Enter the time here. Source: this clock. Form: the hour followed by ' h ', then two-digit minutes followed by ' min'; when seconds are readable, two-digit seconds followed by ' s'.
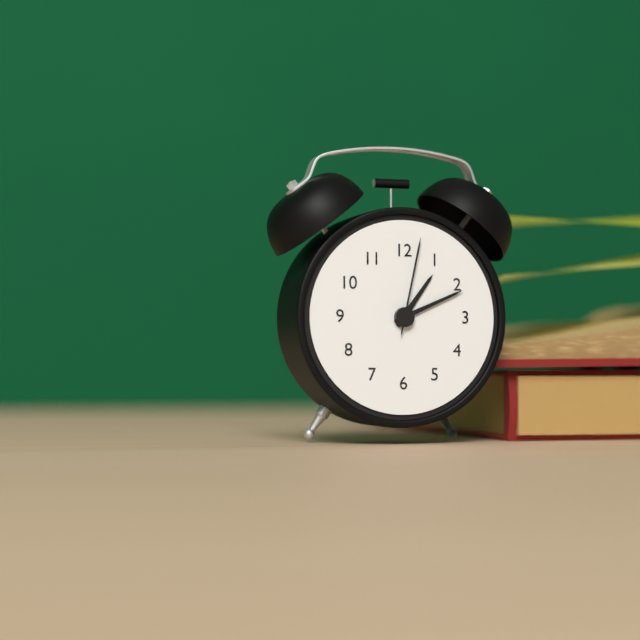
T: 1 h 11 min 02 s
